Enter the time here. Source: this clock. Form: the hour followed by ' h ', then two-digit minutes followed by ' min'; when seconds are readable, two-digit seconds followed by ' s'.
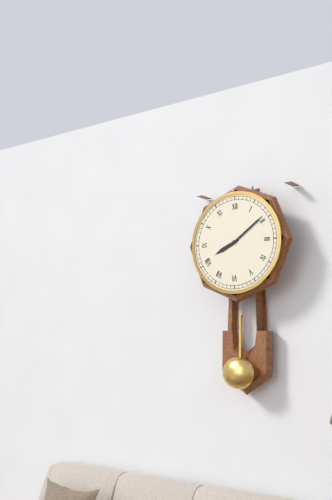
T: 8 h 09 min
